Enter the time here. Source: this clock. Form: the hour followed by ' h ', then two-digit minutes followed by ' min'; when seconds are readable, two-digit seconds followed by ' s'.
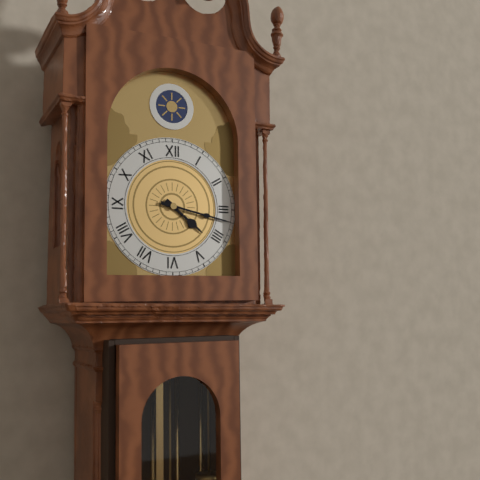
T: 4 h 17 min
